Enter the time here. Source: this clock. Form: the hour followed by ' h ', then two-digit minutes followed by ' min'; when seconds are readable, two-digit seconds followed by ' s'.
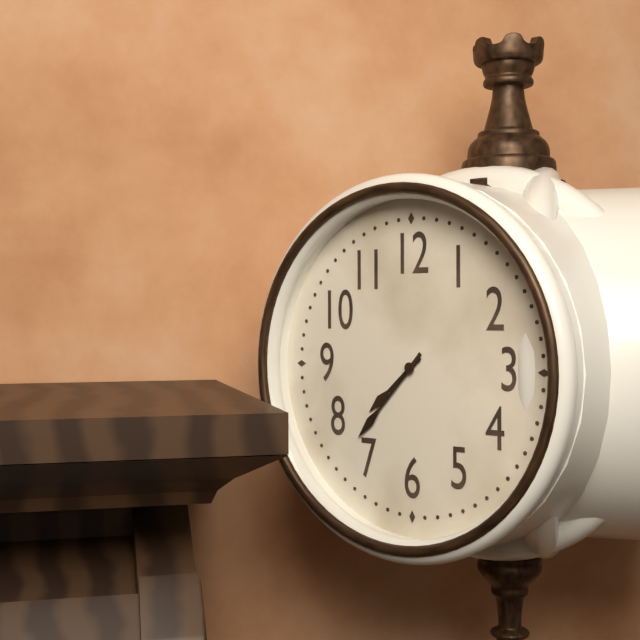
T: 7 h 37 min
